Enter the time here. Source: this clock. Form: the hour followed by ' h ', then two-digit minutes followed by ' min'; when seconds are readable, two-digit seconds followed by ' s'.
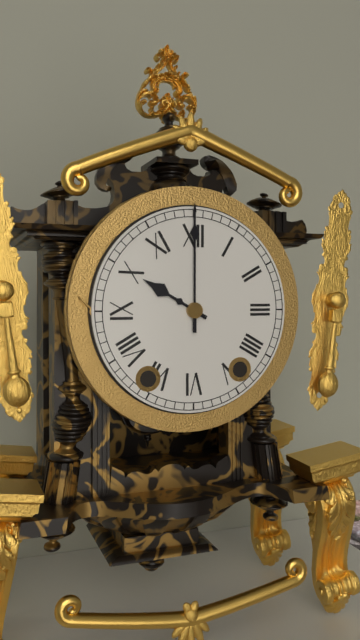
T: 10 h 00 min
